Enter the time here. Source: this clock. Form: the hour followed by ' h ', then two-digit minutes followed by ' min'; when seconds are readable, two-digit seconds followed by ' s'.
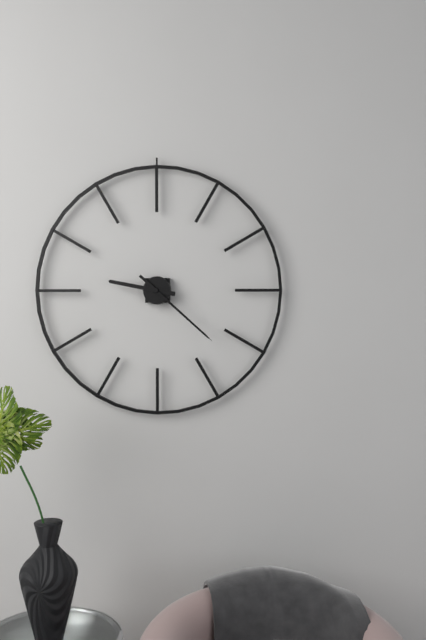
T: 9 h 22 min
